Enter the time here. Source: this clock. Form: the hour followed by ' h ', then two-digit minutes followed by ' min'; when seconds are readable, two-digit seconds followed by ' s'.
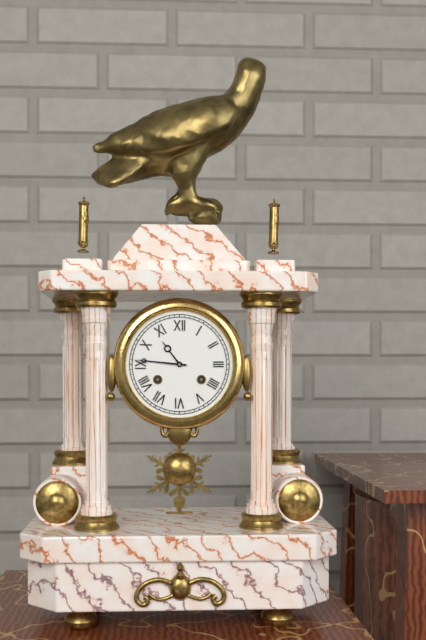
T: 10 h 46 min
